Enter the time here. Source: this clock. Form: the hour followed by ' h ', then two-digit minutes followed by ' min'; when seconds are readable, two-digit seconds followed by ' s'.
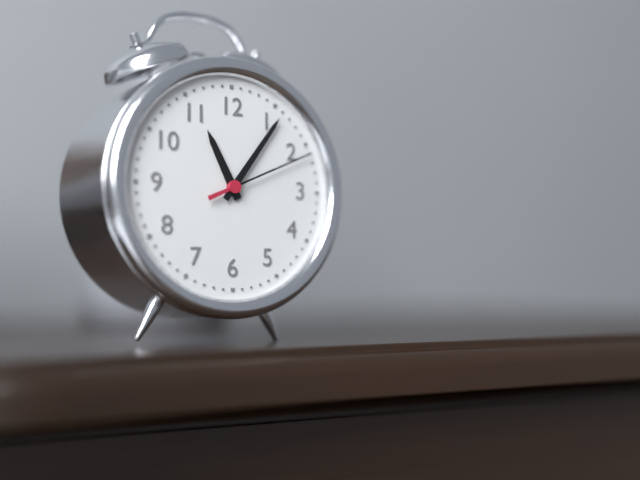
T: 11 h 06 min 11 s
